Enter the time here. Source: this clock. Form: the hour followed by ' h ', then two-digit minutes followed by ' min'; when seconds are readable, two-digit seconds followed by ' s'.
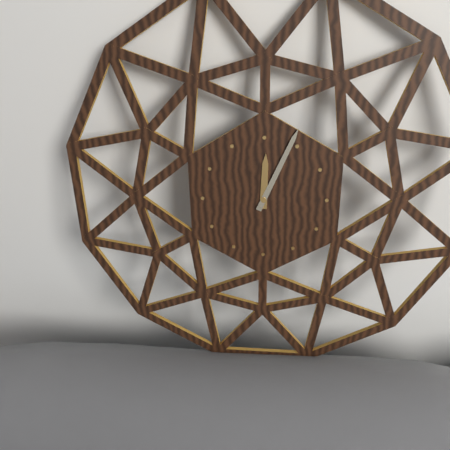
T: 12 h 04 min
